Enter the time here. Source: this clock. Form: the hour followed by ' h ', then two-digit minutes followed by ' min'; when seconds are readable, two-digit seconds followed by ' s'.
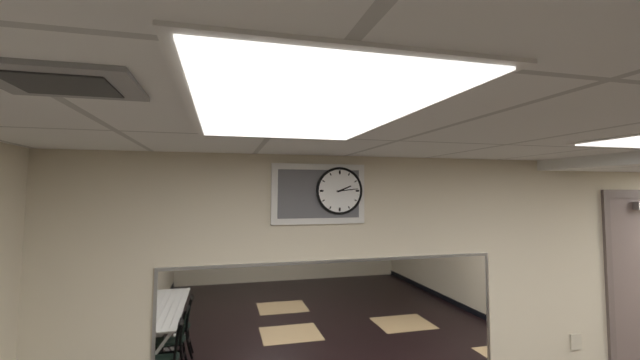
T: 2 h 14 min
